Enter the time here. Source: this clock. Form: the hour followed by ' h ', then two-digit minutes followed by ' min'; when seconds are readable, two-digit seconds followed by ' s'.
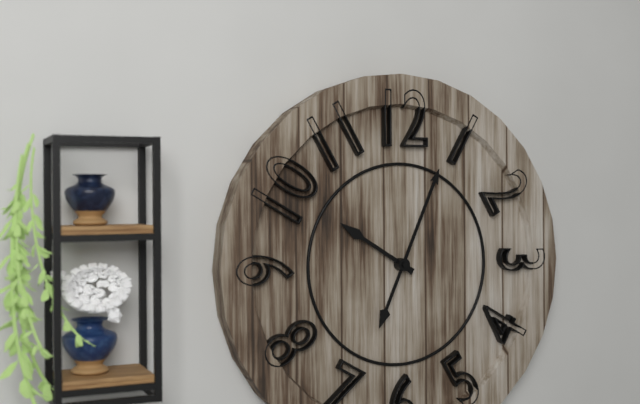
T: 10 h 04 min
